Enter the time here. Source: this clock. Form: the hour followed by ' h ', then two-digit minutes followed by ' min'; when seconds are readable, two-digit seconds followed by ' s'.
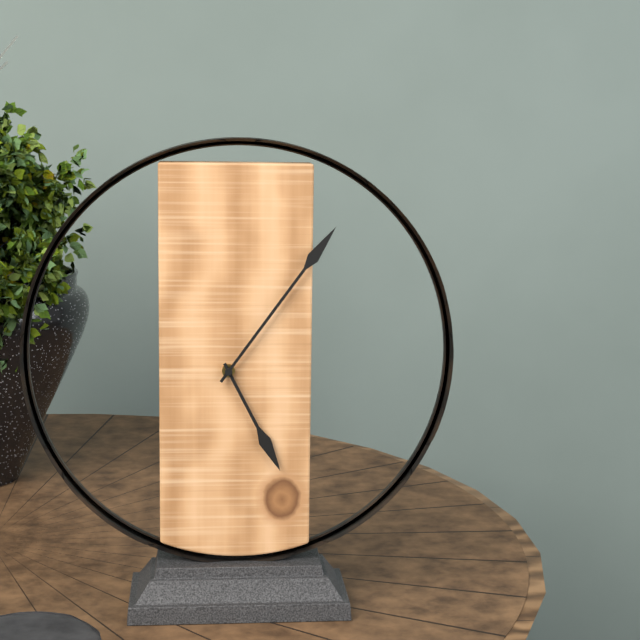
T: 5 h 06 min
